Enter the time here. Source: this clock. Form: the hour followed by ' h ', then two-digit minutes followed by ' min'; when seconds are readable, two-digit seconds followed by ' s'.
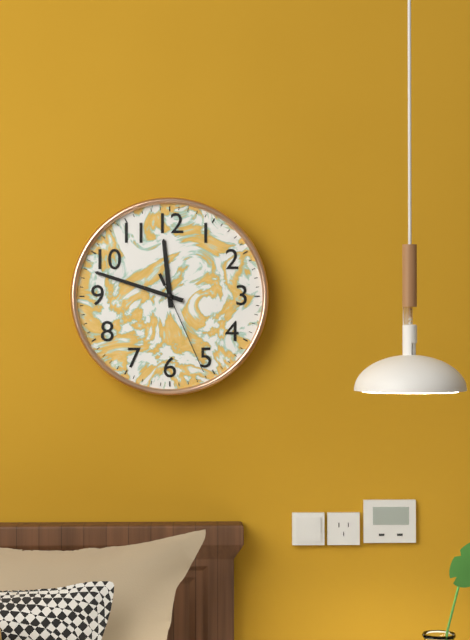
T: 11 h 48 min 26 s
